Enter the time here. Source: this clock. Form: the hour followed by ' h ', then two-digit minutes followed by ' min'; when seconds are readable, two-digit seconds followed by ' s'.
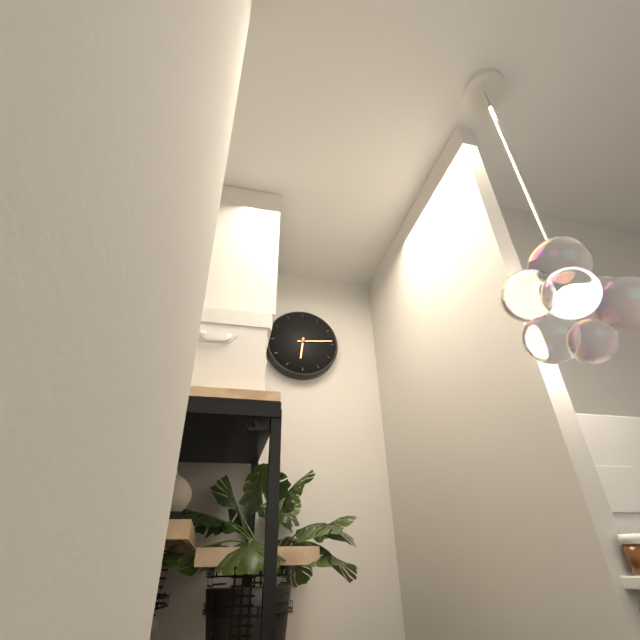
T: 6 h 14 min
